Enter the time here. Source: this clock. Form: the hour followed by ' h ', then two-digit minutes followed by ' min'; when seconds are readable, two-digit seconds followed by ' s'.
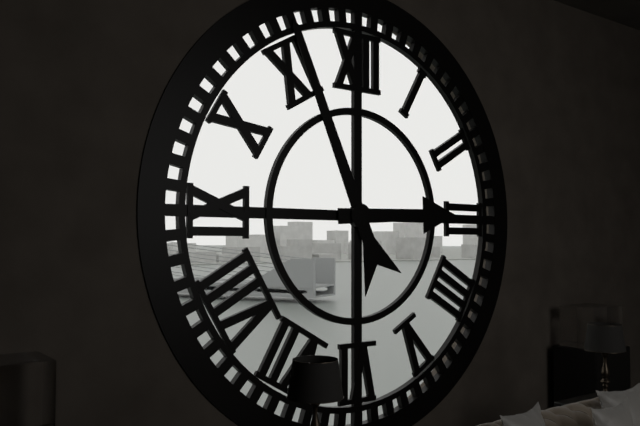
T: 2 h 56 min
